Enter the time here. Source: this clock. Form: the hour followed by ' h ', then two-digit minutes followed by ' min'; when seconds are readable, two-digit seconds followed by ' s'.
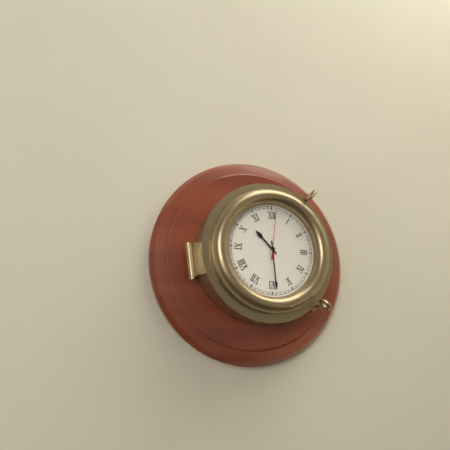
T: 10 h 29 min 01 s
